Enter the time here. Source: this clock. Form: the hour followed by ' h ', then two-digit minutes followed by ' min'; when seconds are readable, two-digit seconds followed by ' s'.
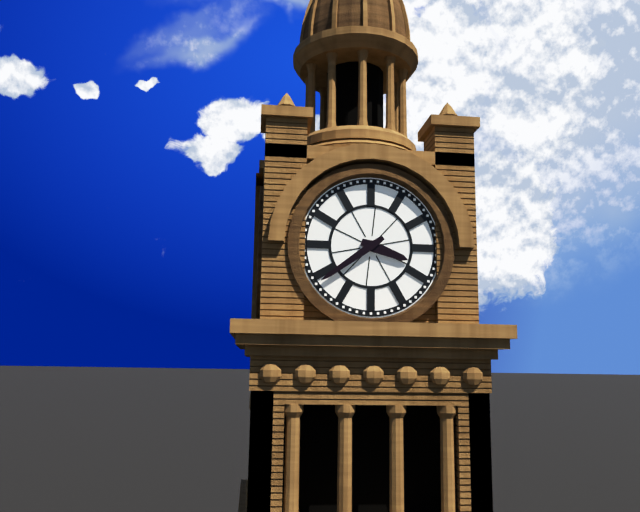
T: 3 h 39 min
